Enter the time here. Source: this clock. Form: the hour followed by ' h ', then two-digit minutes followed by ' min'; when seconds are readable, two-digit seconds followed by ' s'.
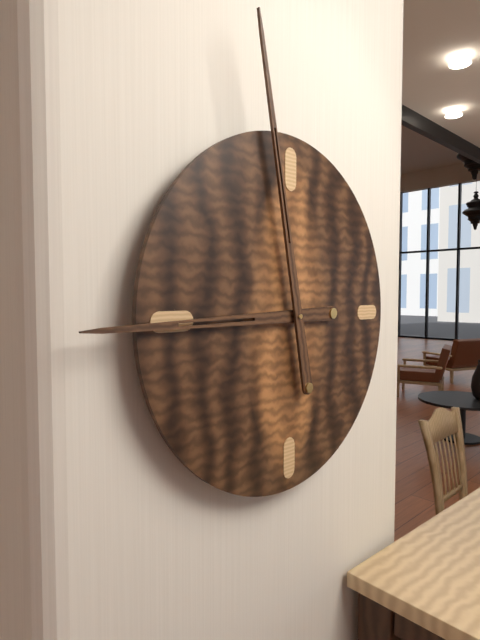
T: 8 h 58 min
